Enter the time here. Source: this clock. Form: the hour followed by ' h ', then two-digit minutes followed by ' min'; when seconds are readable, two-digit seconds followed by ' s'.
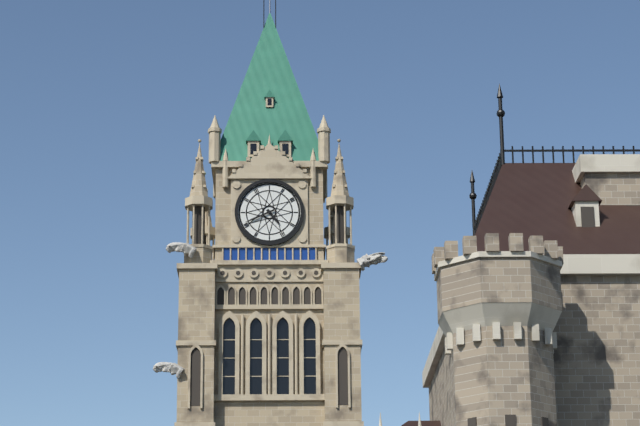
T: 4 h 41 min
